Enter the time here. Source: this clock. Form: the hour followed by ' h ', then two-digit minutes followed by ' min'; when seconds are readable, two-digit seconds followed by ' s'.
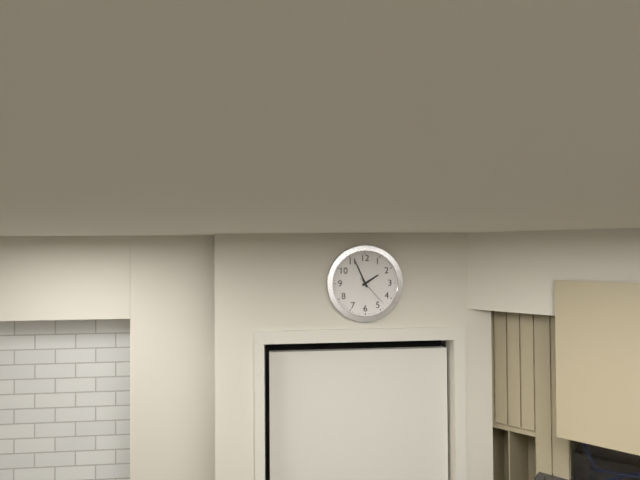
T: 1 h 56 min
